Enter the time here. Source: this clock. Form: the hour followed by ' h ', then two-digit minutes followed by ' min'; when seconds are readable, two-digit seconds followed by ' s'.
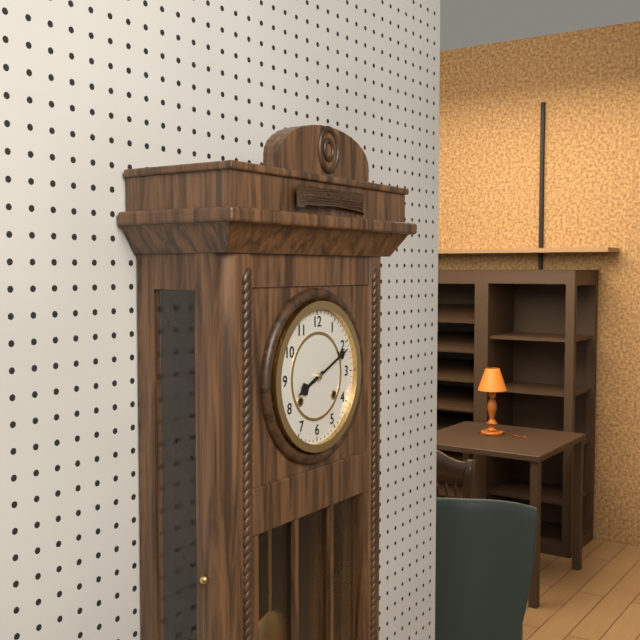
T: 8 h 11 min
